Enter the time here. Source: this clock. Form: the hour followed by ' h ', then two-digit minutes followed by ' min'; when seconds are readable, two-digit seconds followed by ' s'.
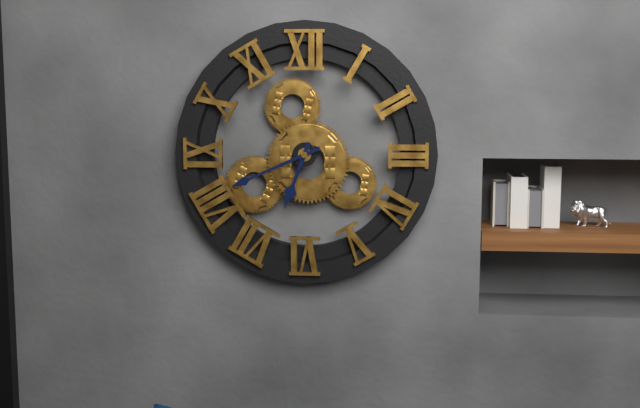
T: 6 h 41 min
